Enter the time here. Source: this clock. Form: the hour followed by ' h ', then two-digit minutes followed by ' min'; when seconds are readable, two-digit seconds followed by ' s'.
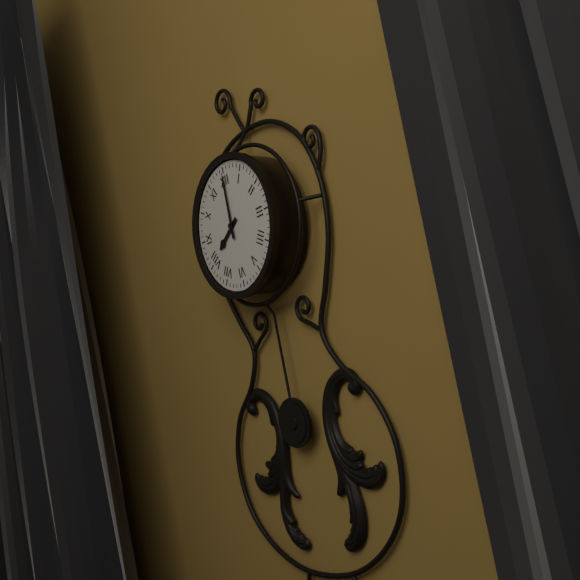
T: 8 h 00 min
